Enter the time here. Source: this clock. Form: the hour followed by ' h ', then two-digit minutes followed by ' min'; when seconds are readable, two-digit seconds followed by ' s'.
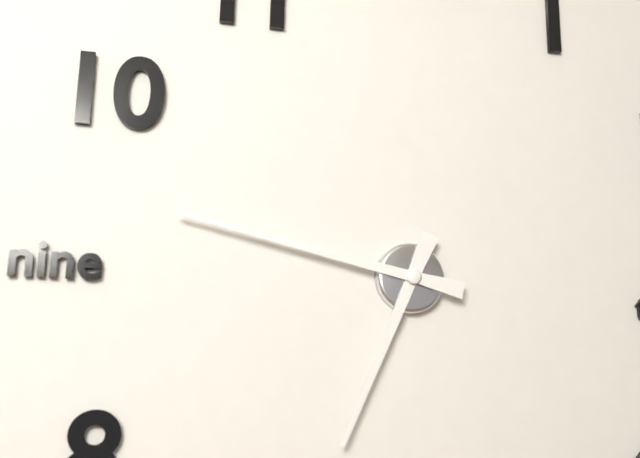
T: 6 h 47 min
